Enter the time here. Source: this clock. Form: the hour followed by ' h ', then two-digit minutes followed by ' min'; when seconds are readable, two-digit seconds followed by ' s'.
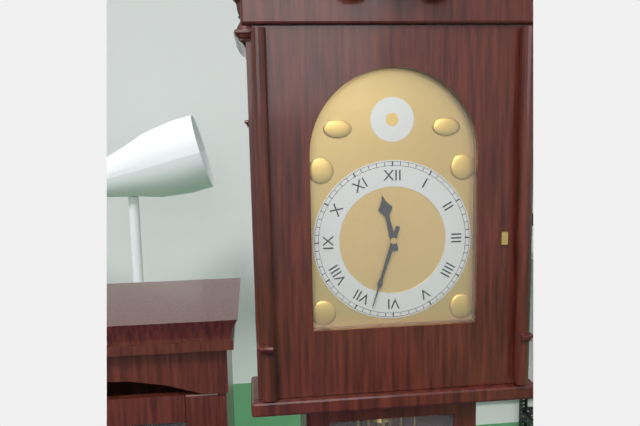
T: 11 h 33 min
